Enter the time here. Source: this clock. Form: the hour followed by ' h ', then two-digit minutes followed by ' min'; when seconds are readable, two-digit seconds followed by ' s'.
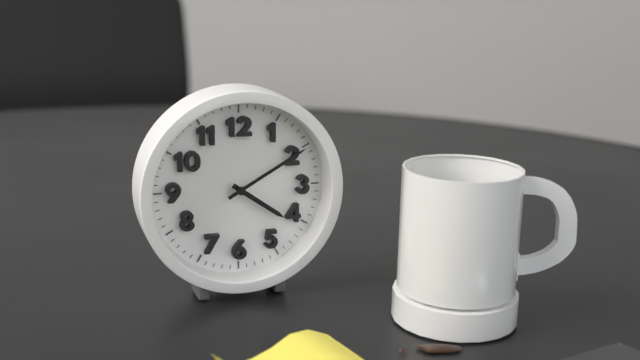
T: 4 h 10 min
